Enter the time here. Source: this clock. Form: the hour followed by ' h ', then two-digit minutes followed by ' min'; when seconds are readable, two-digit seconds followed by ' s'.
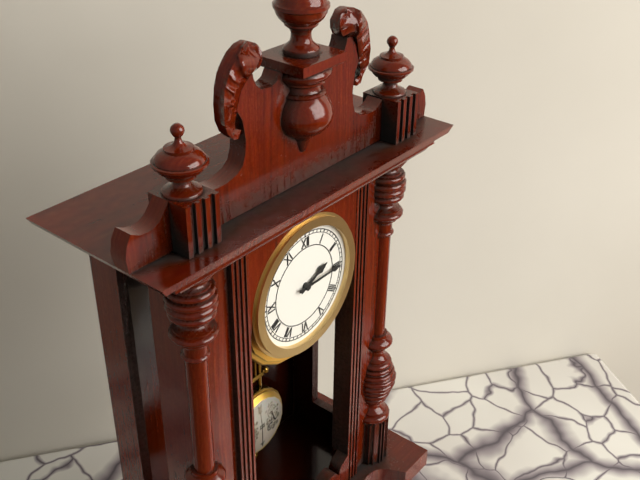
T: 2 h 15 min
